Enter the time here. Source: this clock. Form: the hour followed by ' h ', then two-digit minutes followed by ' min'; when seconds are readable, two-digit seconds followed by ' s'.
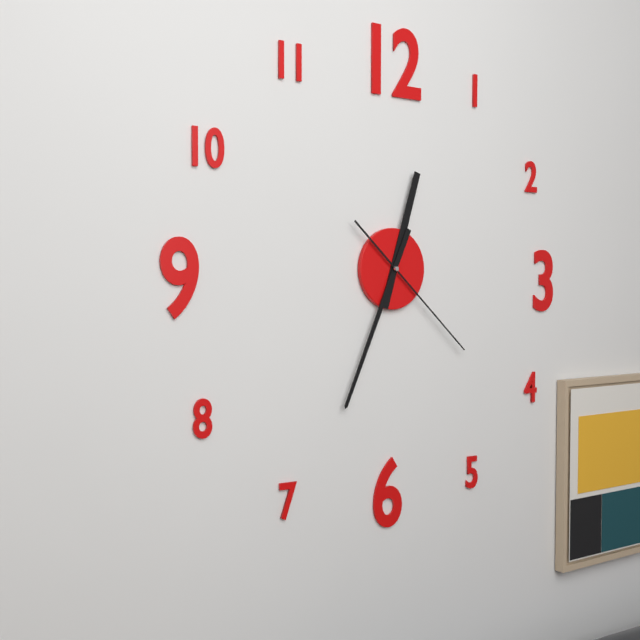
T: 12 h 34 min 22 s
